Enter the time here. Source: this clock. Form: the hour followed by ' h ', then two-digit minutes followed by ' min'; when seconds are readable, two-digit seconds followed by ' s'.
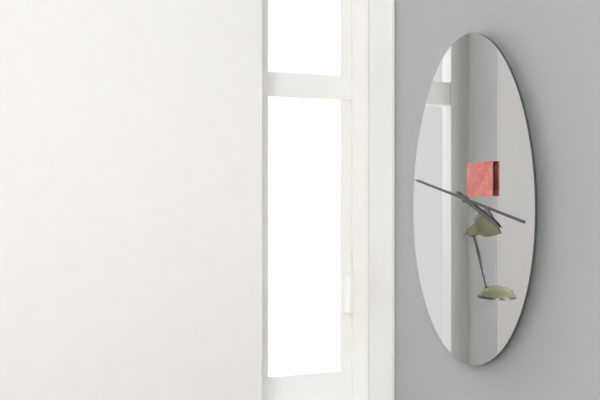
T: 3 h 47 min
